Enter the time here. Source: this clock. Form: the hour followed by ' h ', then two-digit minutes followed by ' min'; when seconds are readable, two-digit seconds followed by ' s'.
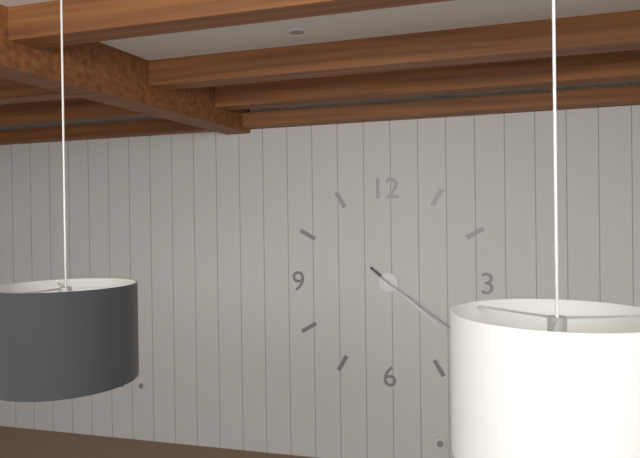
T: 4 h 21 min
